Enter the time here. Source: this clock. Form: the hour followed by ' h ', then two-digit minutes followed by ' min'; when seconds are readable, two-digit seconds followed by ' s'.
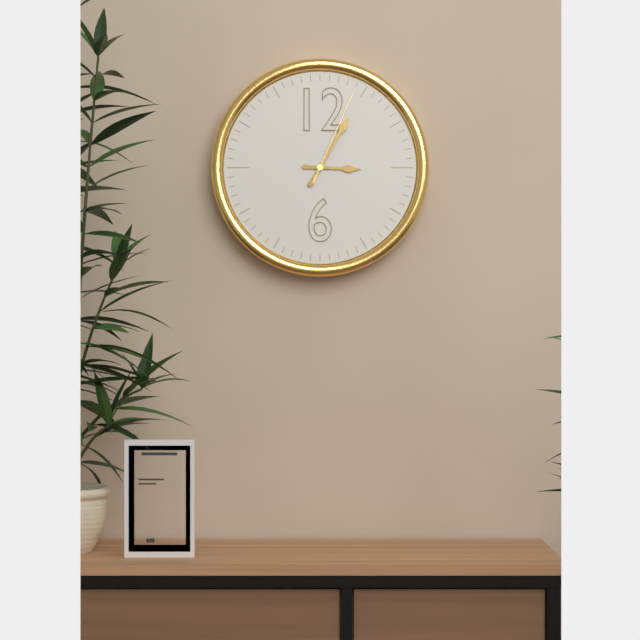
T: 3 h 05 min 04 s
